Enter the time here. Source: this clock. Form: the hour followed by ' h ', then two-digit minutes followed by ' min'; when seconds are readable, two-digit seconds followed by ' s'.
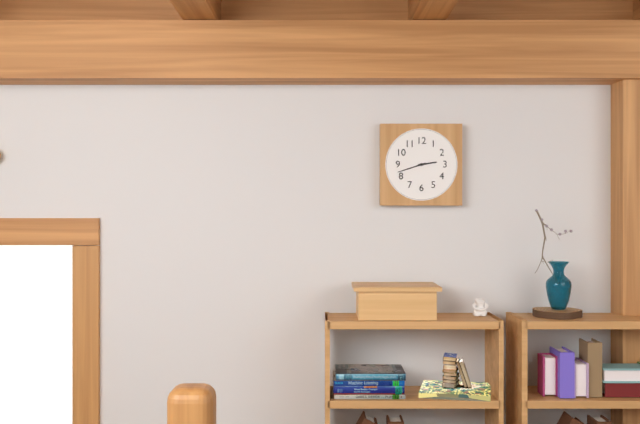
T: 2 h 42 min
